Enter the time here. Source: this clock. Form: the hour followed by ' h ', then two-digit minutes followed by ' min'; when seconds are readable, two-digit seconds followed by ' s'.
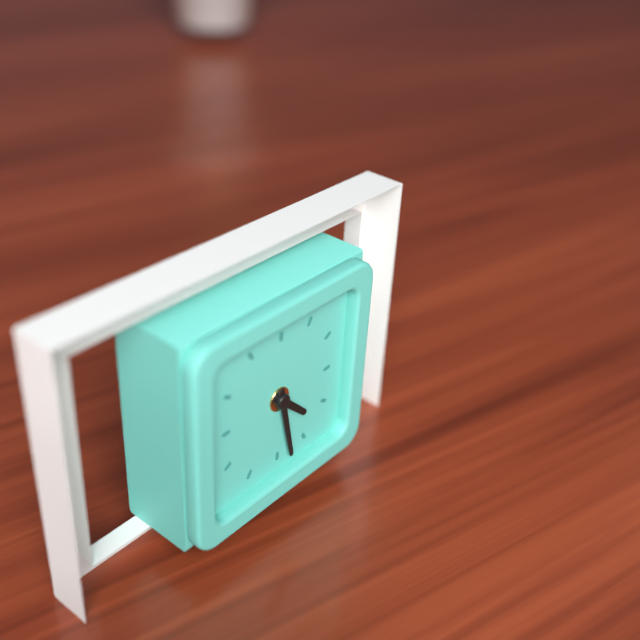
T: 4 h 28 min
